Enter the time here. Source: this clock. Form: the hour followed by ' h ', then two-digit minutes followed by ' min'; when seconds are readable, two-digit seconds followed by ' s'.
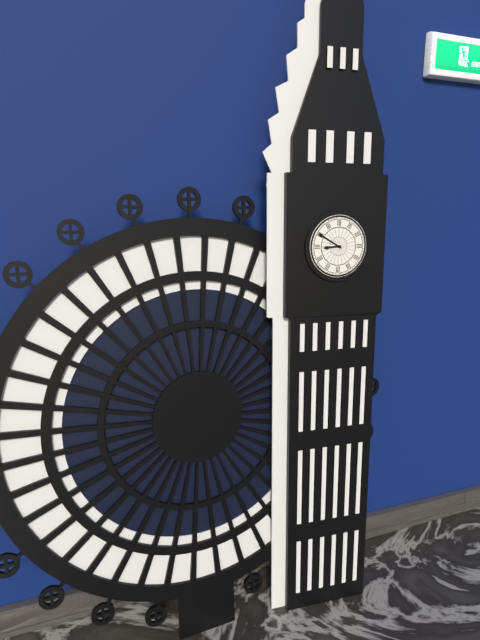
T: 8 h 50 min
